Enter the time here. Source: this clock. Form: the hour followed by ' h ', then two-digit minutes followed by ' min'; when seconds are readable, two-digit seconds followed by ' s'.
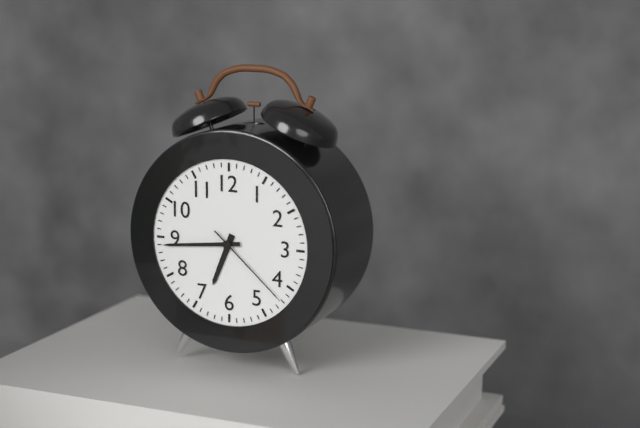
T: 6 h 44 min 22 s
